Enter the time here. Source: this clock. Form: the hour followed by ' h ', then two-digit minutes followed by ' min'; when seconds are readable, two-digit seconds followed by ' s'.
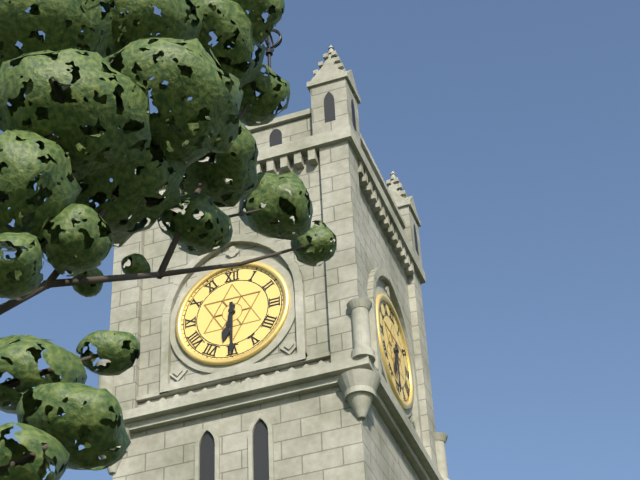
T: 6 h 30 min
